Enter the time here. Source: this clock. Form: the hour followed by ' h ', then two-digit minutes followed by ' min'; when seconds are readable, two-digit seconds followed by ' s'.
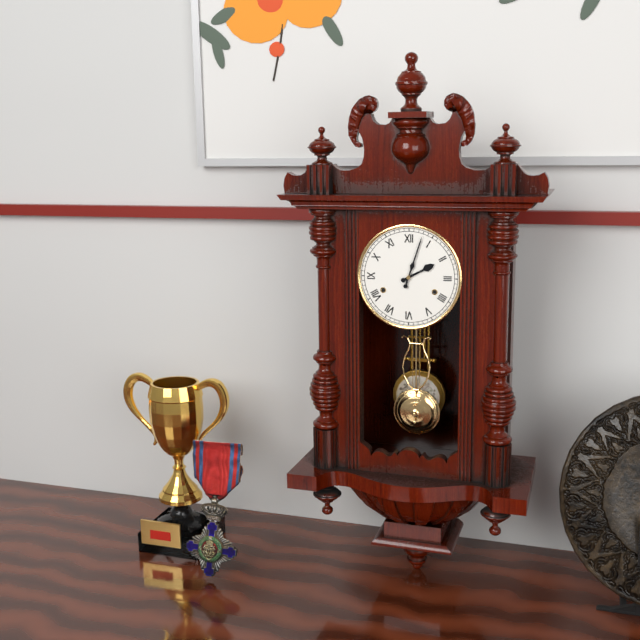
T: 2 h 03 min
